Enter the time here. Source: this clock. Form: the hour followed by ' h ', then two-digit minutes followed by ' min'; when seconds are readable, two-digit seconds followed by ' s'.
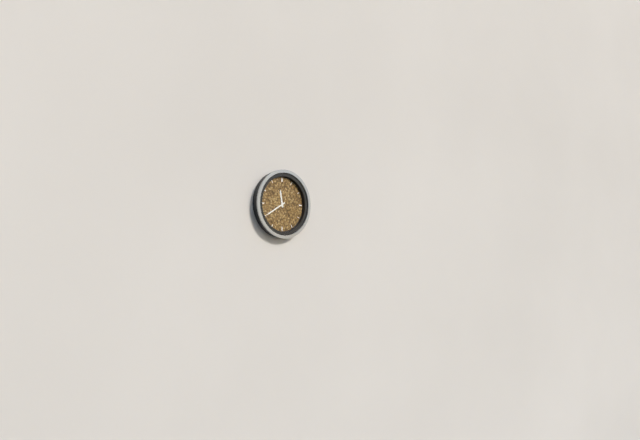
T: 11 h 40 min
